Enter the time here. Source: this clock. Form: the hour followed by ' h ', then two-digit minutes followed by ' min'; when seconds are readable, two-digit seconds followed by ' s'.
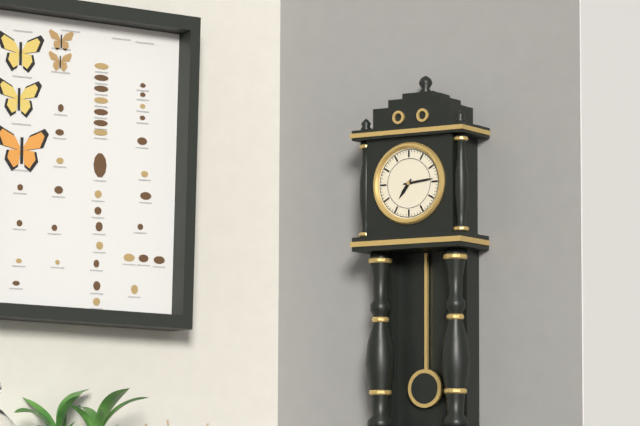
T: 7 h 14 min
